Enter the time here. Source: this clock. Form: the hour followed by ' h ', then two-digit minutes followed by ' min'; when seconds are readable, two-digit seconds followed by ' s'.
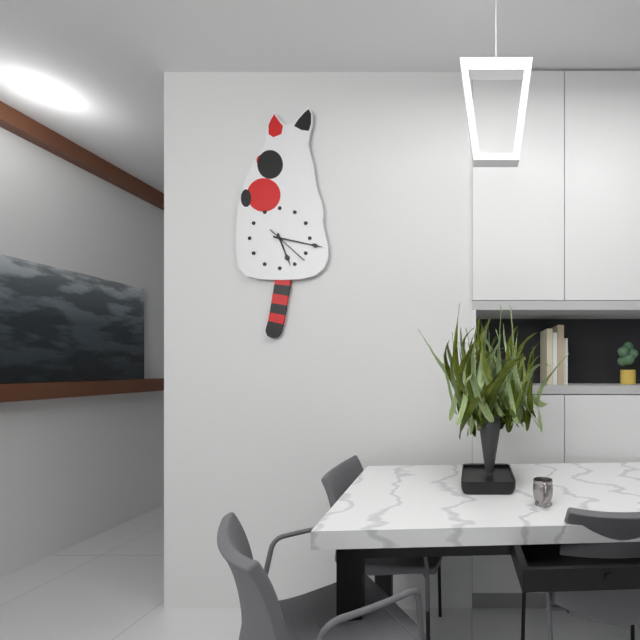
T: 5 h 17 min
